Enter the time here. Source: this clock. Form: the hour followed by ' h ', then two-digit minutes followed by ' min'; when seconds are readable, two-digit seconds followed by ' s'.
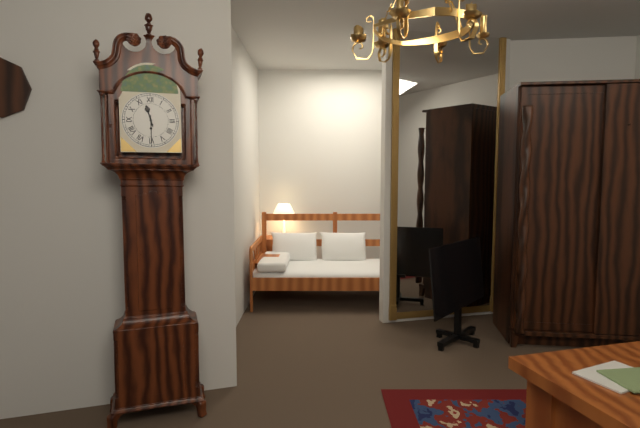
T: 11 h 30 min
